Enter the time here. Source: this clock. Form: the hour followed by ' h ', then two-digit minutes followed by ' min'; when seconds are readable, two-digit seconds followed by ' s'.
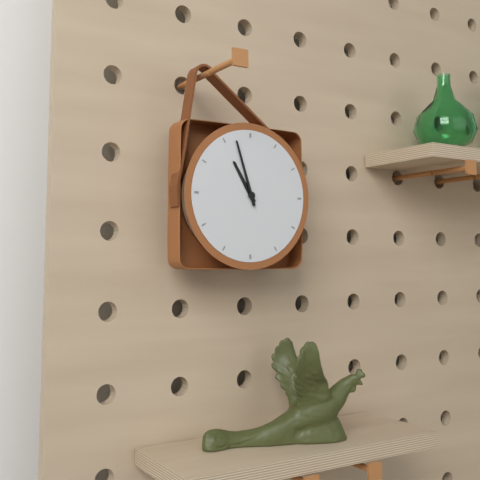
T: 10 h 57 min
